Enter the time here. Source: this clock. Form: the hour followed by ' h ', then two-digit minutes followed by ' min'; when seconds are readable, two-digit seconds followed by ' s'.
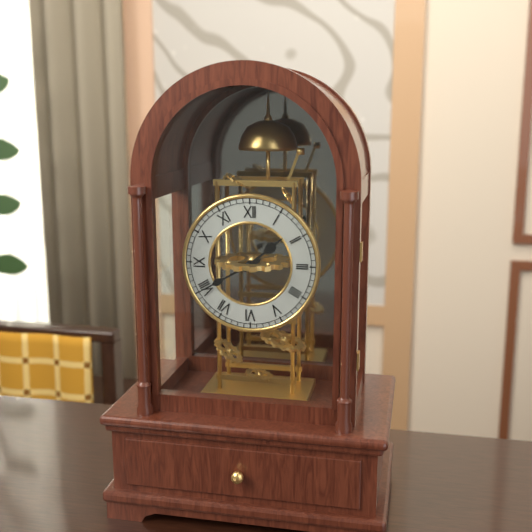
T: 1 h 40 min
